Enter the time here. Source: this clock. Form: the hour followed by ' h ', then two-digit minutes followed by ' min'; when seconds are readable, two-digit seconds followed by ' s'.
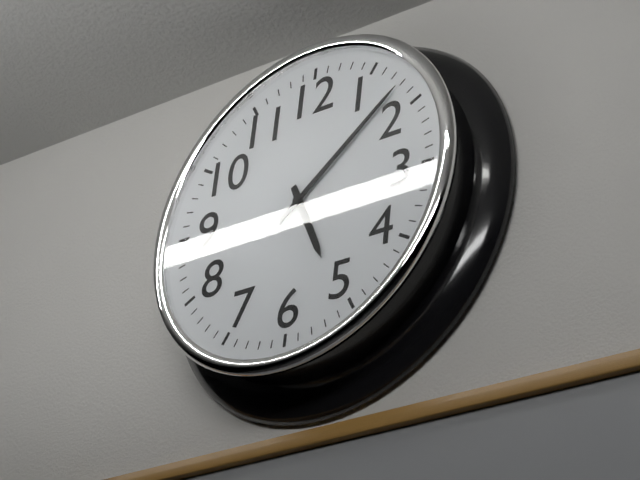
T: 5 h 08 min
